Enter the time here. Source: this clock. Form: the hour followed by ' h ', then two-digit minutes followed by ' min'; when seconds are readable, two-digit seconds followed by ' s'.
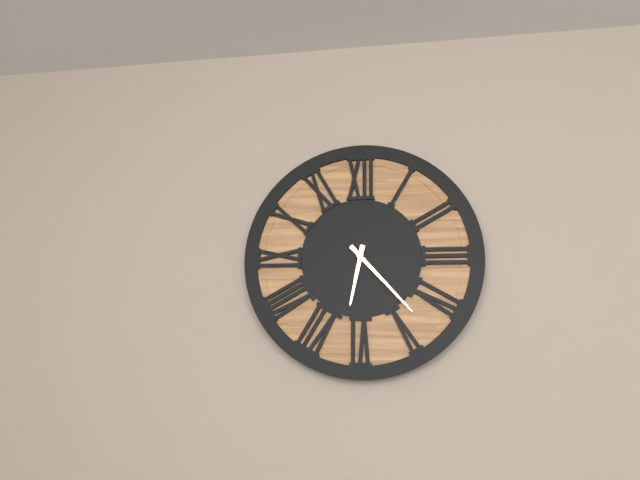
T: 6 h 23 min
